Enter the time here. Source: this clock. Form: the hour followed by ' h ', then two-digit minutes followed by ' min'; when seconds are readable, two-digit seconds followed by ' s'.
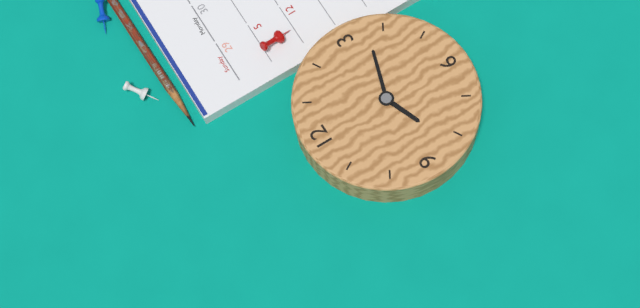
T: 8 h 18 min
